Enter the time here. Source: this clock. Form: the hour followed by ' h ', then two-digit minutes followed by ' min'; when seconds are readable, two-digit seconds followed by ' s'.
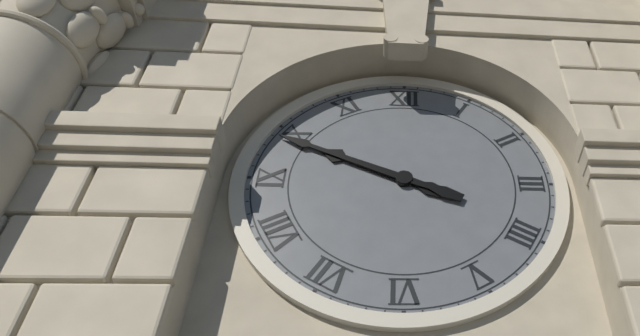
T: 9 h 49 min
